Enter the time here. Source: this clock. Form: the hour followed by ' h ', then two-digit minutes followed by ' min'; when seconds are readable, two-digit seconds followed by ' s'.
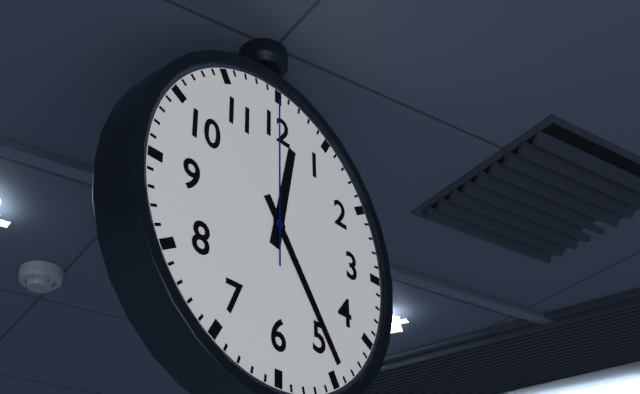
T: 12 h 24 min 00 s
